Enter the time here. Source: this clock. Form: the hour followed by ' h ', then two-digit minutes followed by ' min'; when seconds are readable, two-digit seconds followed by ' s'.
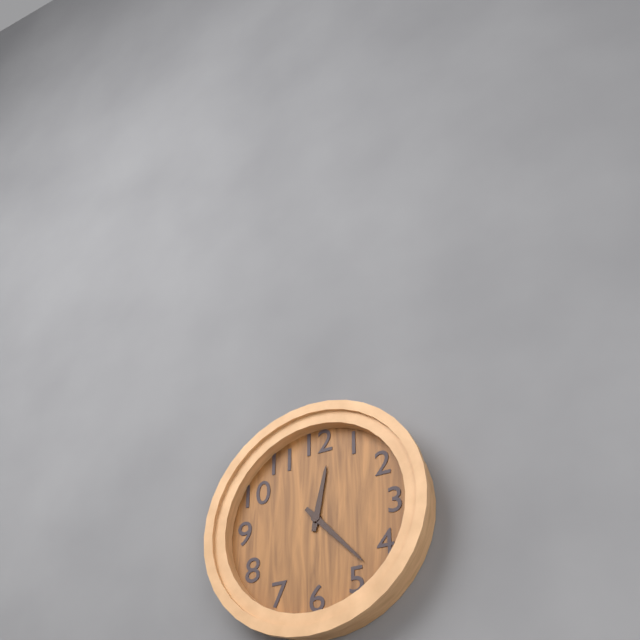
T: 12 h 23 min
